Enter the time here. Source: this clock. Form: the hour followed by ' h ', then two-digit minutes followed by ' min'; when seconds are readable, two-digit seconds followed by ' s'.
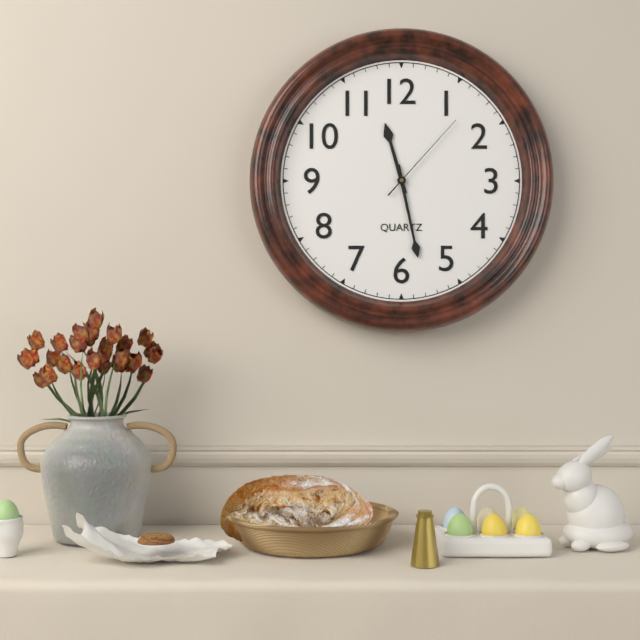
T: 11 h 28 min 07 s
